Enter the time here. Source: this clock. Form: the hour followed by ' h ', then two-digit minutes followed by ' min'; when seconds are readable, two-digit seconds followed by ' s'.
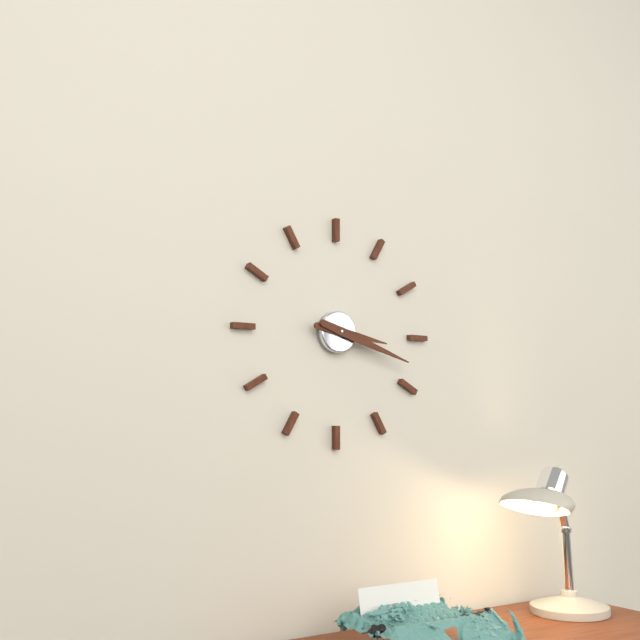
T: 3 h 18 min
